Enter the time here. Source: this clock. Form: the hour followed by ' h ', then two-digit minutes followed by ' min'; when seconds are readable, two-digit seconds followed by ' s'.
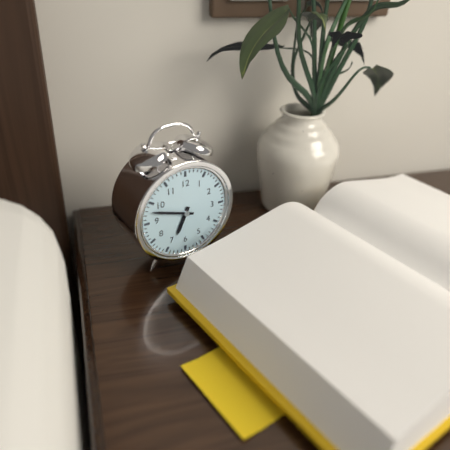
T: 6 h 48 min
